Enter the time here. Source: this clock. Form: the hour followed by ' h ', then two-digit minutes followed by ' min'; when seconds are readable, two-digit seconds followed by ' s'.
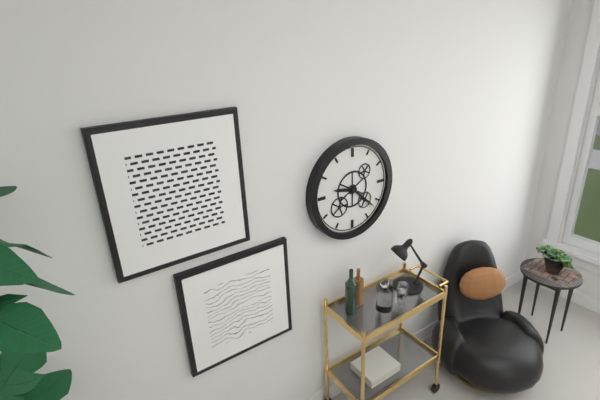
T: 9 h 22 min
